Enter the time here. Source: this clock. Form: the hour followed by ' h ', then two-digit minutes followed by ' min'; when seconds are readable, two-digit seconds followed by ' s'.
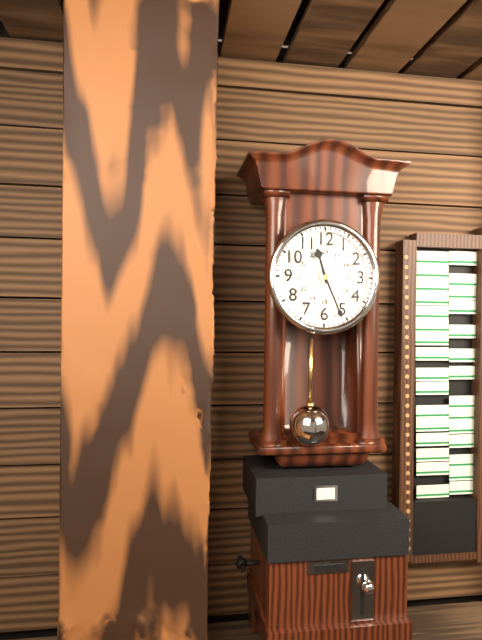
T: 11 h 26 min
